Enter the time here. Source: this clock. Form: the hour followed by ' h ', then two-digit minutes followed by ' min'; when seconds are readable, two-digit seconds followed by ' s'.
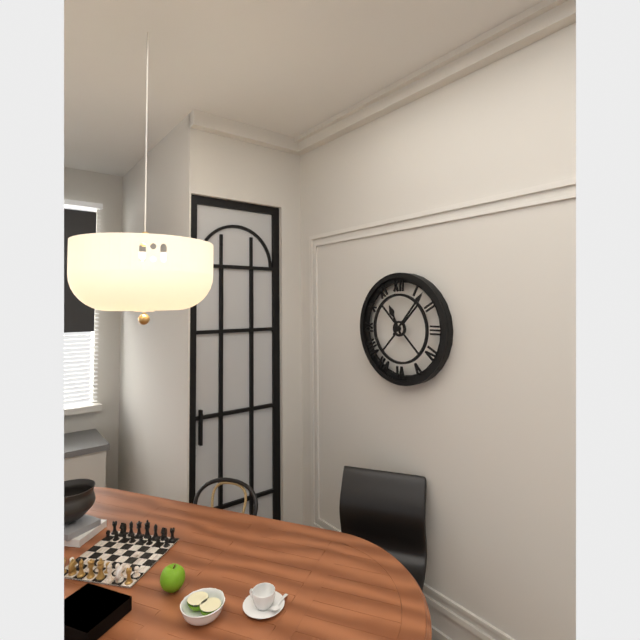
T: 11 h 07 min
